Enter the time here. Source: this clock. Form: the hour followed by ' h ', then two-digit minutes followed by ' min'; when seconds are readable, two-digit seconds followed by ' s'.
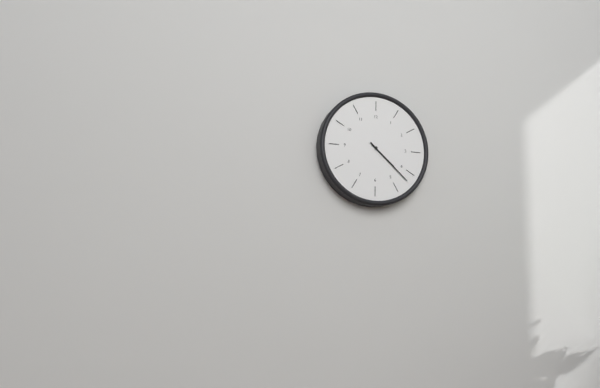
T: 4 h 22 min
